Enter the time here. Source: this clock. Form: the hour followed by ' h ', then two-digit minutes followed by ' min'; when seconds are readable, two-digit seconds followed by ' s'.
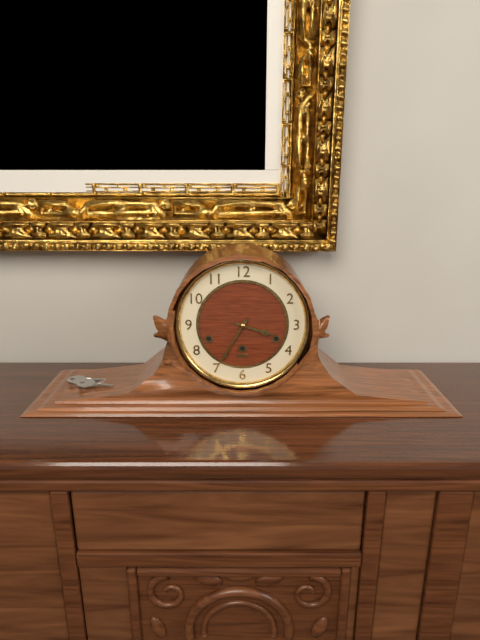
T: 3 h 35 min
